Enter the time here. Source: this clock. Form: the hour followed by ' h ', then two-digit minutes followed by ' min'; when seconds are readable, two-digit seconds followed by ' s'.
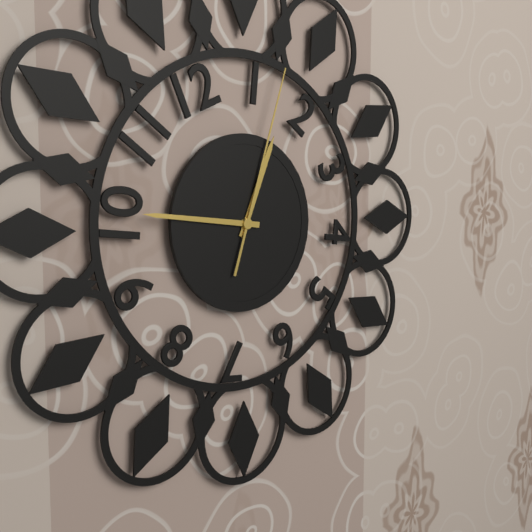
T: 12 h 46 min 03 s
